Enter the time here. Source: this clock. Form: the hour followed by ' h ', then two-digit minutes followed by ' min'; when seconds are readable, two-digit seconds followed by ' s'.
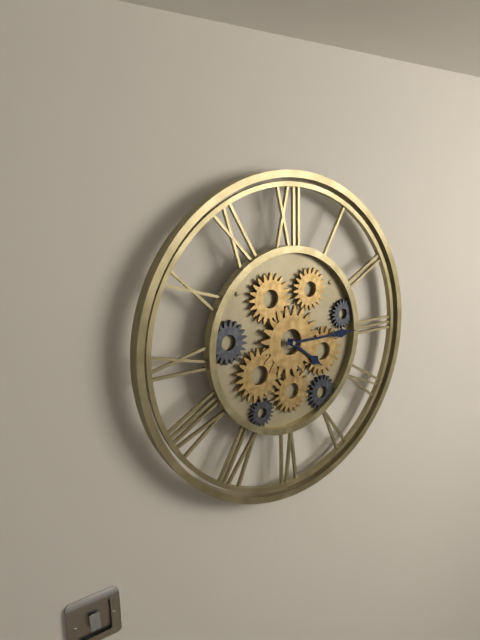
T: 4 h 15 min
